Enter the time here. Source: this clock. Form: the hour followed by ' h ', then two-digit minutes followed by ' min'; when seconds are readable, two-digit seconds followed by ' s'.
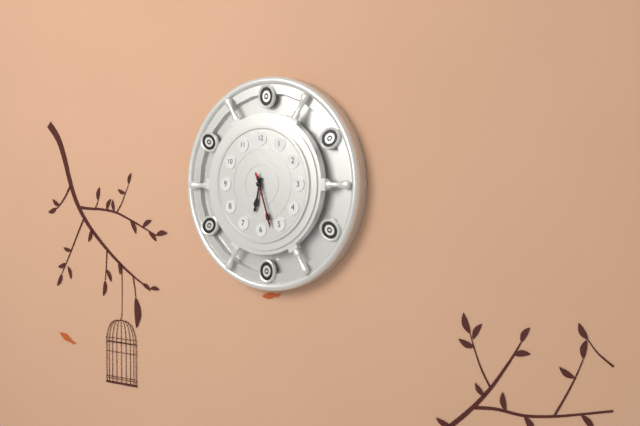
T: 6 h 27 min 27 s
